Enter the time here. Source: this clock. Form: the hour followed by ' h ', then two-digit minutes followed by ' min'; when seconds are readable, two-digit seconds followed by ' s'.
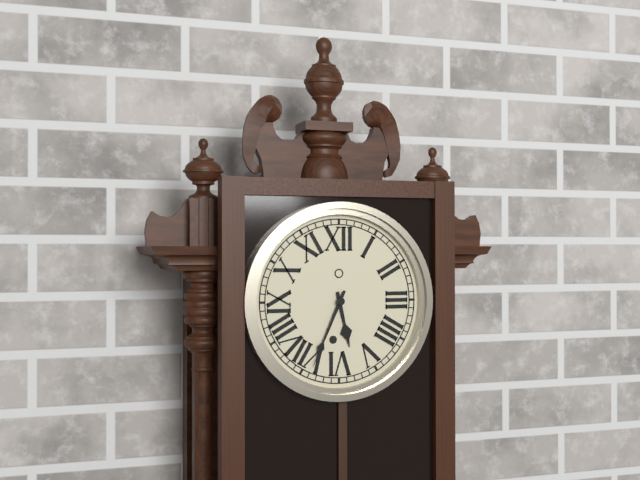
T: 5 h 34 min
